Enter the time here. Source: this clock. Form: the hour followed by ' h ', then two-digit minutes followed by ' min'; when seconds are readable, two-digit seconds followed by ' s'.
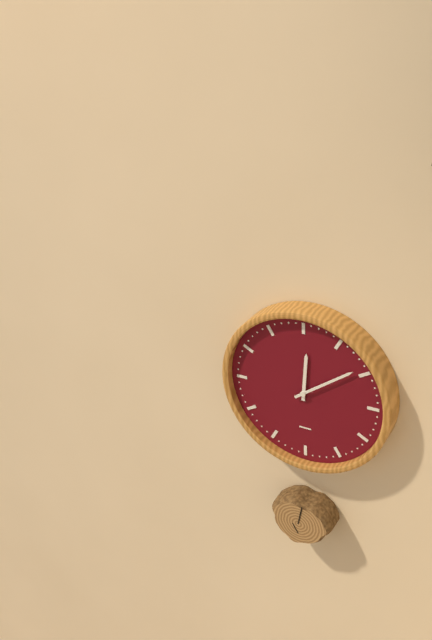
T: 12 h 09 min
